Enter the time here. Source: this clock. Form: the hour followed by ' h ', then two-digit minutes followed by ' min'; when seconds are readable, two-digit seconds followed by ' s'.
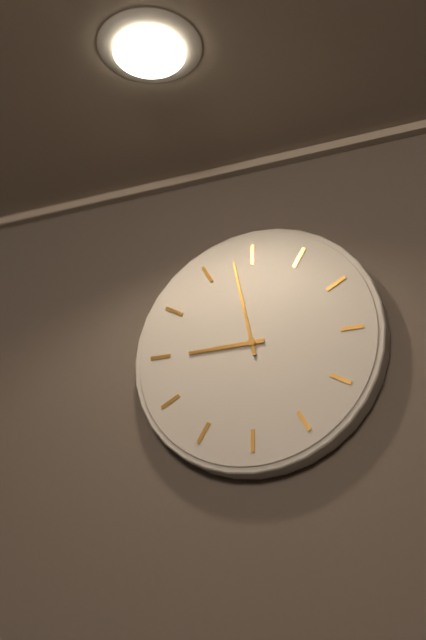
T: 8 h 58 min
